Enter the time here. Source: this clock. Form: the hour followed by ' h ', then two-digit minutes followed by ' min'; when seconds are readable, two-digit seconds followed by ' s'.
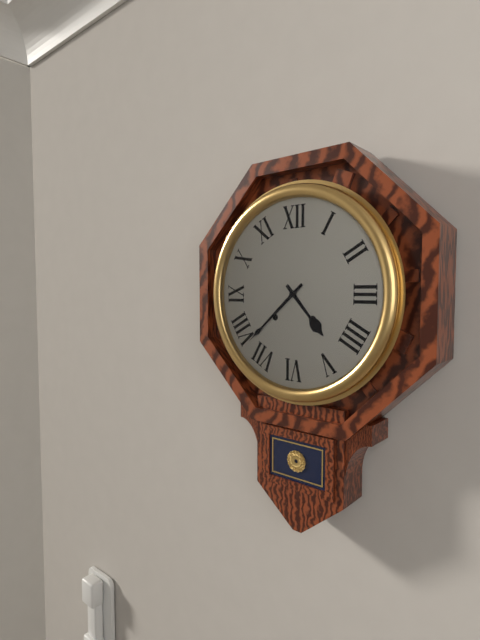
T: 4 h 38 min
